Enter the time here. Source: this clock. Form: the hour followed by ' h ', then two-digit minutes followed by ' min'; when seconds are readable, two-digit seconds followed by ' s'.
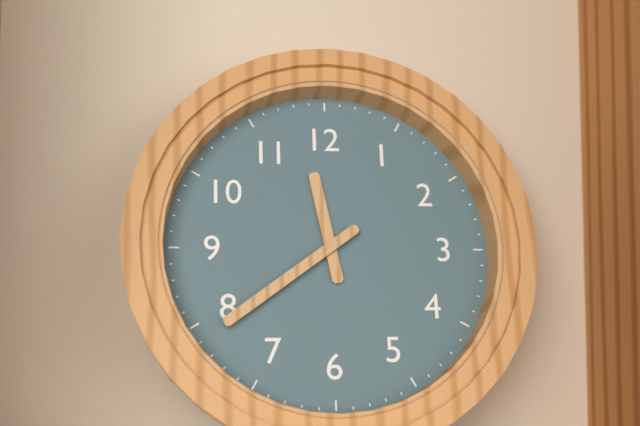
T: 11 h 39 min
